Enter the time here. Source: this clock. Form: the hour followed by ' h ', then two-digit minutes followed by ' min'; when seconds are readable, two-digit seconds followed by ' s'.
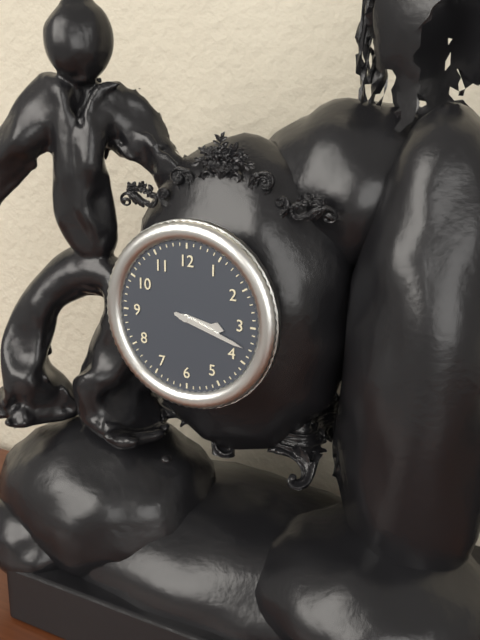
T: 3 h 18 min
